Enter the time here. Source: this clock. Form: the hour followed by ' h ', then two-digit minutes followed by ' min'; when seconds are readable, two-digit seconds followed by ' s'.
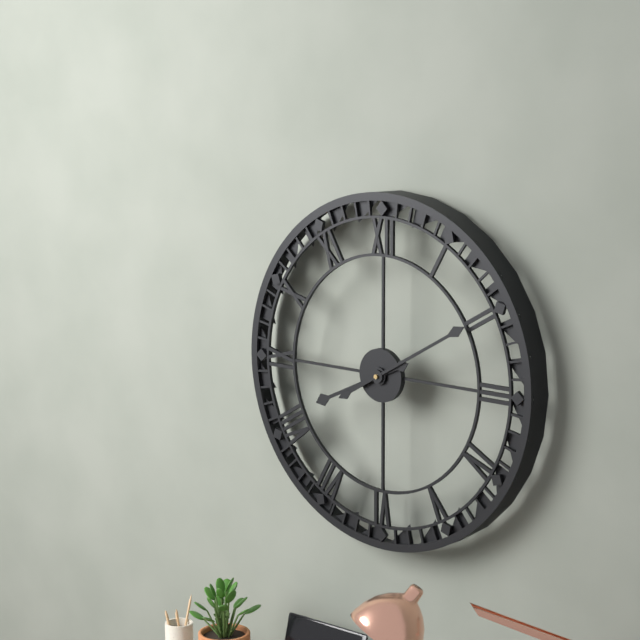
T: 8 h 10 min
